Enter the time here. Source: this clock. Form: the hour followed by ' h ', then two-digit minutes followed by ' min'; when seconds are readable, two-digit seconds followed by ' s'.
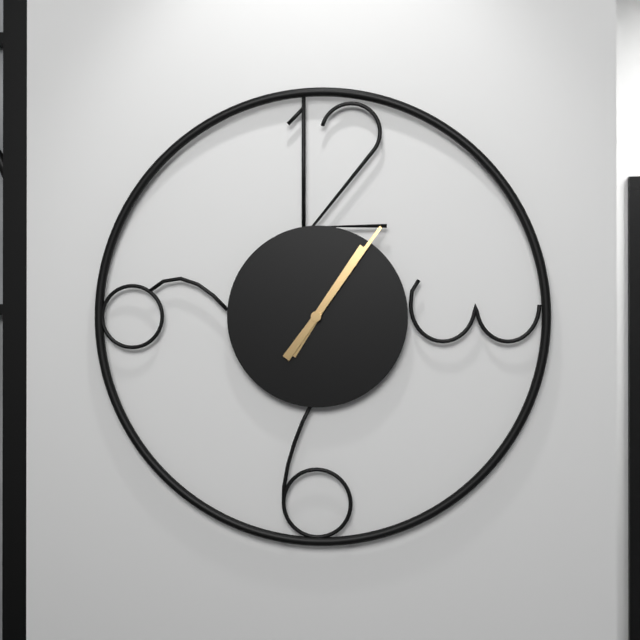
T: 1 h 06 min
